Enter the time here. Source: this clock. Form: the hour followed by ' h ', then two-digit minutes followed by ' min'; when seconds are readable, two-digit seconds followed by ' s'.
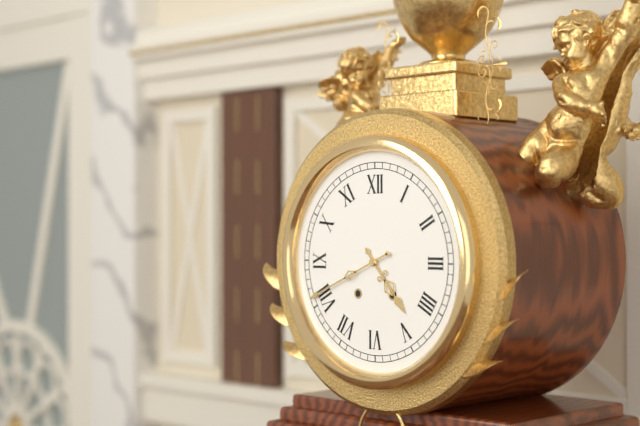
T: 4 h 41 min
